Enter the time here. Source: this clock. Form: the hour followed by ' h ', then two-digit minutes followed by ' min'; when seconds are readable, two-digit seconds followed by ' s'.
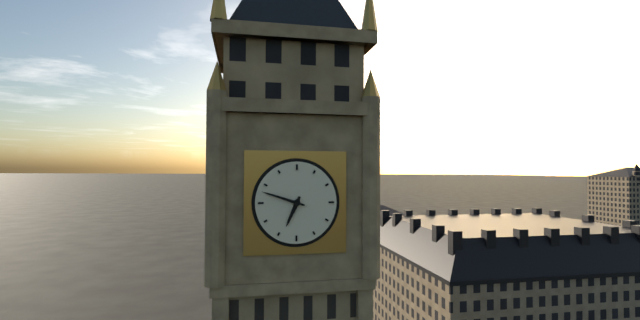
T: 6 h 48 min
